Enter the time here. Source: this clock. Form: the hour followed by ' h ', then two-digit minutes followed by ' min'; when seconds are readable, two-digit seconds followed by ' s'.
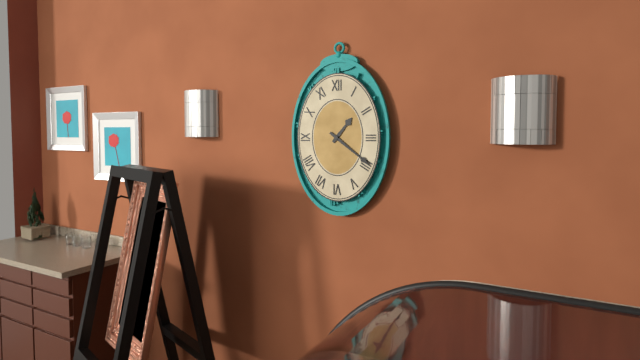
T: 1 h 21 min
